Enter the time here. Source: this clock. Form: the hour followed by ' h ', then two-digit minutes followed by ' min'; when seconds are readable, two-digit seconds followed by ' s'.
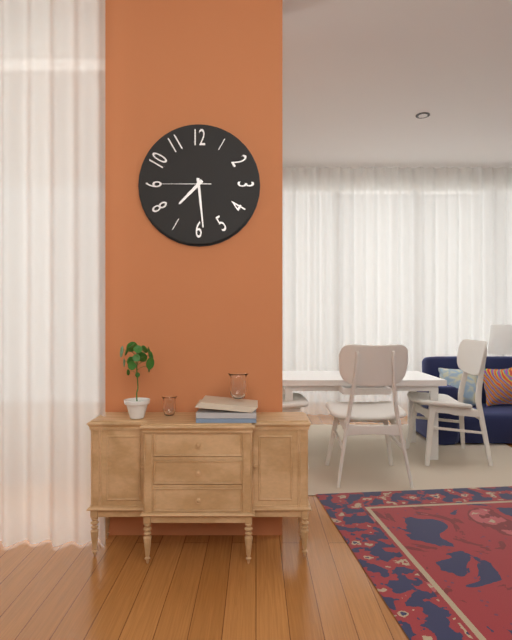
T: 7 h 29 min
